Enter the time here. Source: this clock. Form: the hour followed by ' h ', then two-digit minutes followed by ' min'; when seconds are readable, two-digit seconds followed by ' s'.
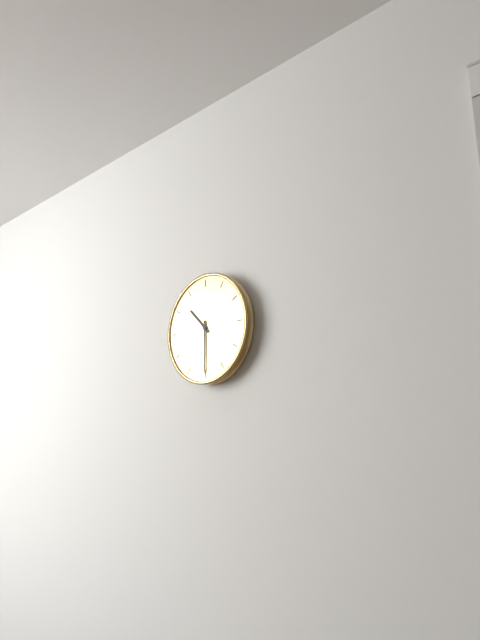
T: 10 h 30 min
